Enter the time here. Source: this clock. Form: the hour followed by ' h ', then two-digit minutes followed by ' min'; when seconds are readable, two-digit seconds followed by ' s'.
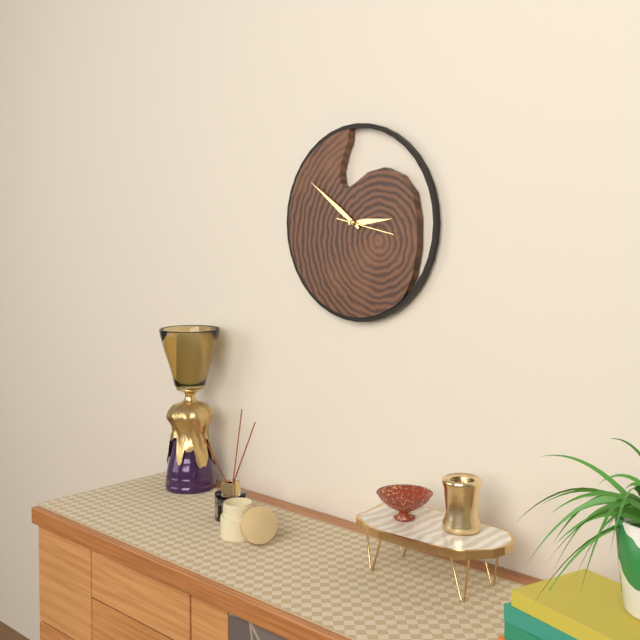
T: 2 h 51 min
